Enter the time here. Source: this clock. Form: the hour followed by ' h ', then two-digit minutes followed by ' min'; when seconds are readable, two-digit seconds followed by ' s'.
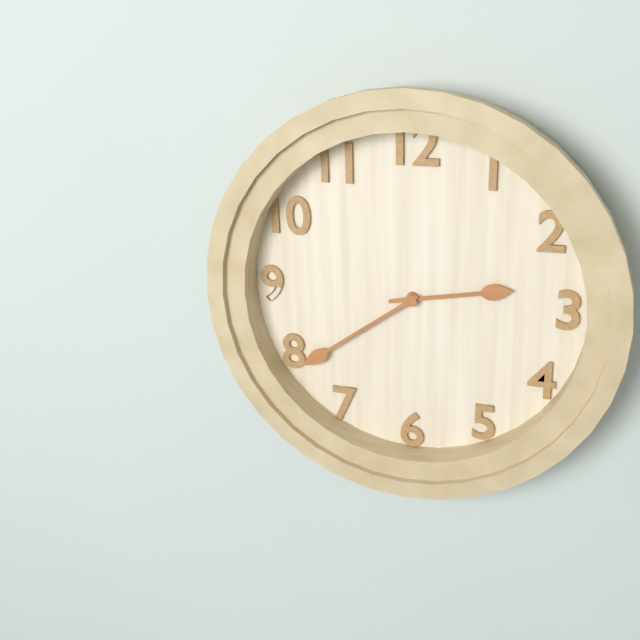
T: 2 h 39 min
